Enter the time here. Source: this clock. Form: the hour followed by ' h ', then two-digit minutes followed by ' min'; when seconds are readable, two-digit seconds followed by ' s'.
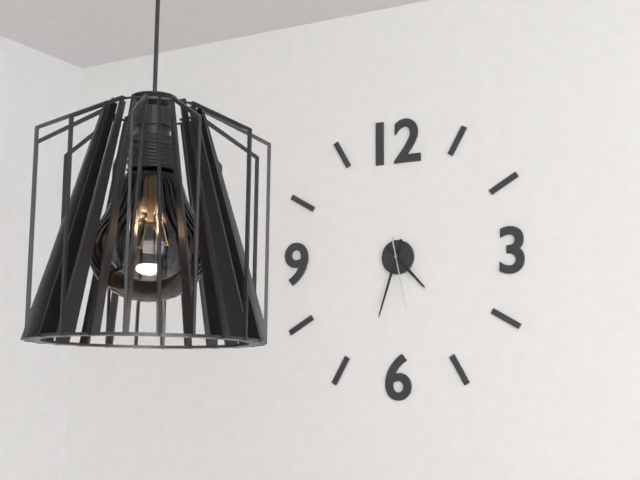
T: 4 h 33 min 28 s
